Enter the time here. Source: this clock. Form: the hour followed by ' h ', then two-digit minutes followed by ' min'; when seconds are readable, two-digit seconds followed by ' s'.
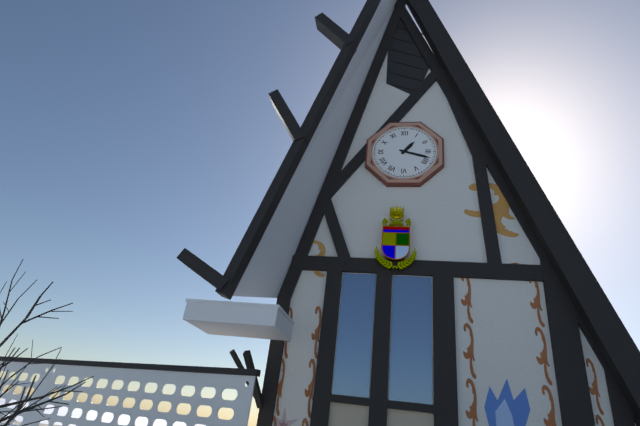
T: 1 h 18 min
